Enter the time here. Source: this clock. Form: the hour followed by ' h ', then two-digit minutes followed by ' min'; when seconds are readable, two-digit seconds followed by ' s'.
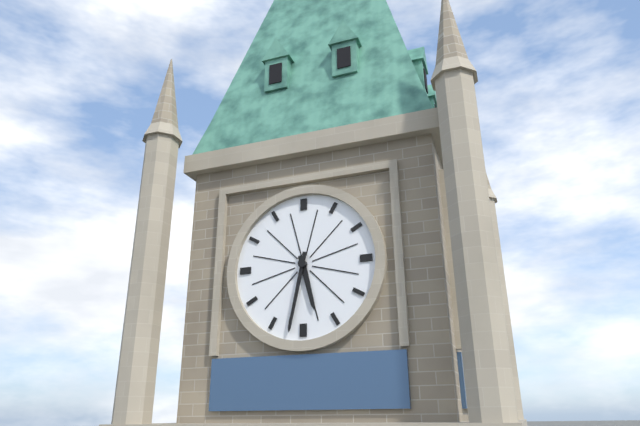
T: 5 h 32 min
